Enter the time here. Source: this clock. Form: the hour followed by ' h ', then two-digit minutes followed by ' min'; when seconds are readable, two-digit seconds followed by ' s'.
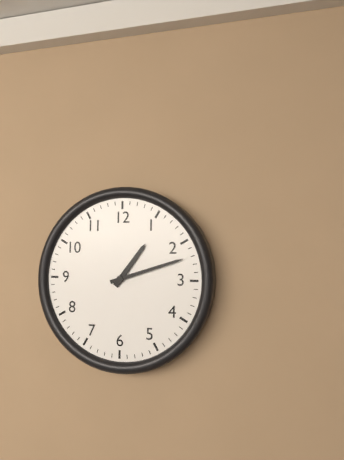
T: 1 h 12 min
